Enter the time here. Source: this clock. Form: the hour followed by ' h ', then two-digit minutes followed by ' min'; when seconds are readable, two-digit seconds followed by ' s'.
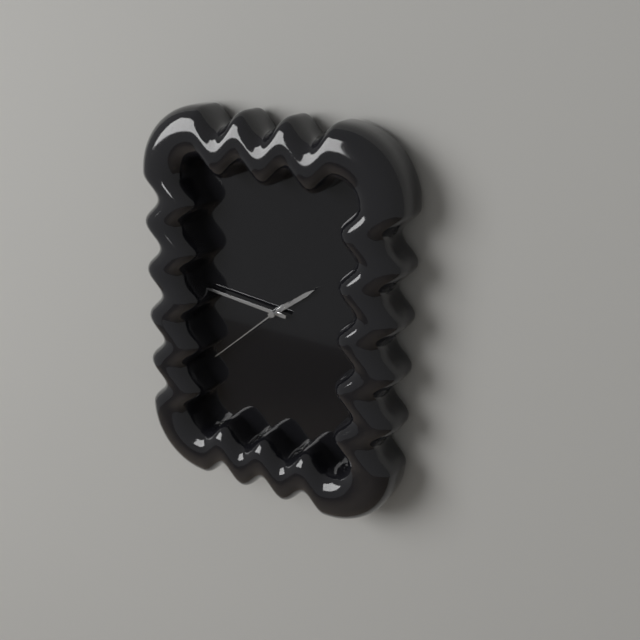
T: 1 h 46 min 38 s
